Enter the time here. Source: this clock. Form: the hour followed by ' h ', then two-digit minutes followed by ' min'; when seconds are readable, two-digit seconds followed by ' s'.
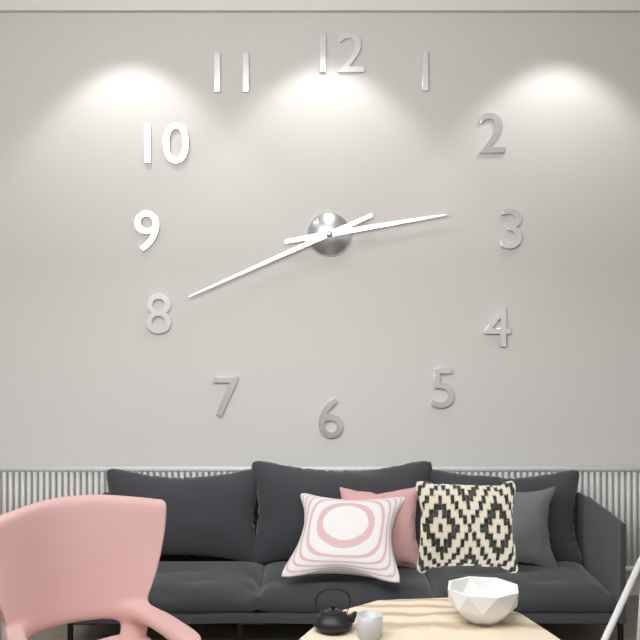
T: 2 h 41 min
